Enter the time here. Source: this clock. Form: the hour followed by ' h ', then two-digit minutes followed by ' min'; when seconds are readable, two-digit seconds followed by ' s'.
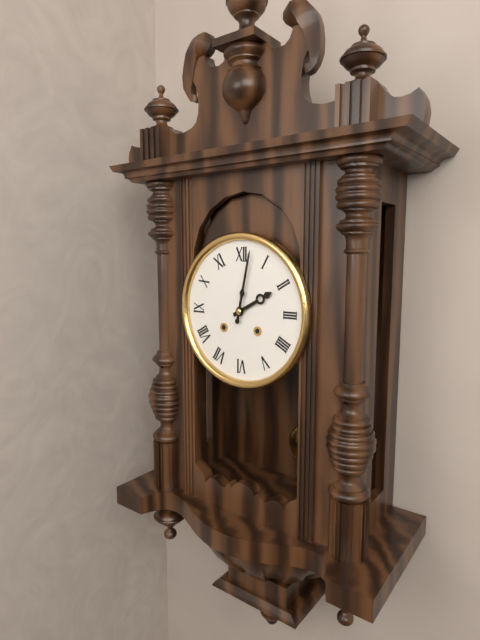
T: 2 h 02 min
